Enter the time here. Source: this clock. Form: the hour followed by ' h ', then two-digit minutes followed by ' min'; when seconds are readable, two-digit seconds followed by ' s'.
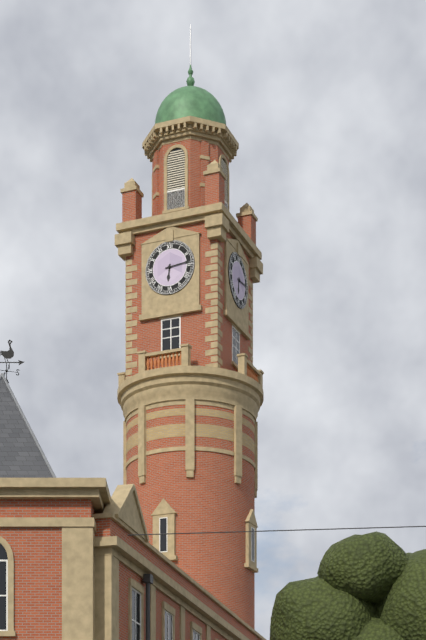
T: 6 h 14 min
